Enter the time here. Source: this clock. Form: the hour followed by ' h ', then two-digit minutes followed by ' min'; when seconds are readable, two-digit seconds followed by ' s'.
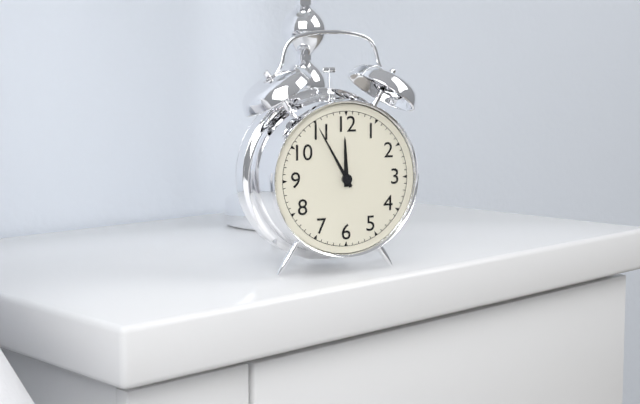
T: 11 h 55 min
